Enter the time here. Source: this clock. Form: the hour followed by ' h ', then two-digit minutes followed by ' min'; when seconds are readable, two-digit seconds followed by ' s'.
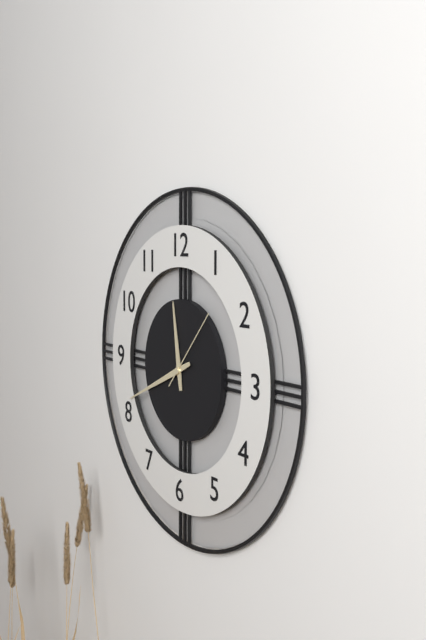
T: 11 h 41 min 07 s
